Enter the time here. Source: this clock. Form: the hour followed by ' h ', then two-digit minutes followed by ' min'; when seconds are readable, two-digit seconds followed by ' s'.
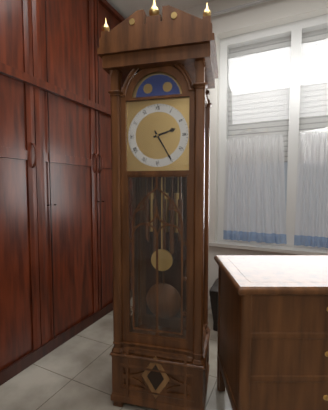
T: 2 h 25 min
